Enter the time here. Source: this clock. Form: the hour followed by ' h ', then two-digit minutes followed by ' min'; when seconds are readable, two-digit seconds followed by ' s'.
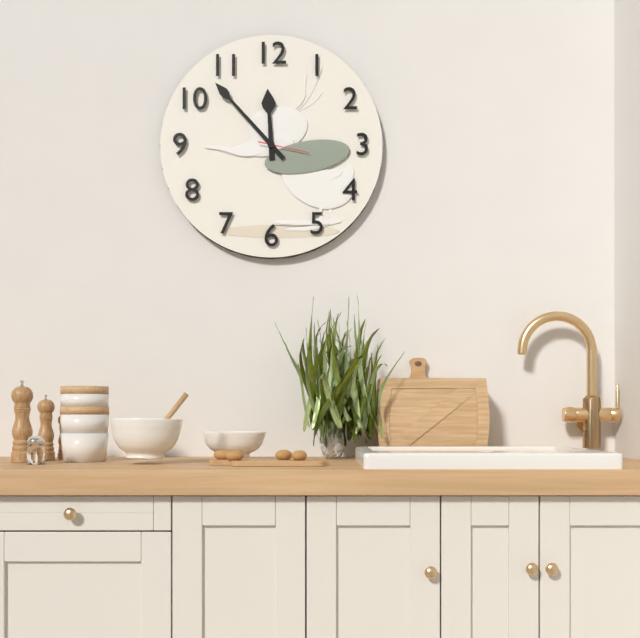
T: 11 h 53 min
